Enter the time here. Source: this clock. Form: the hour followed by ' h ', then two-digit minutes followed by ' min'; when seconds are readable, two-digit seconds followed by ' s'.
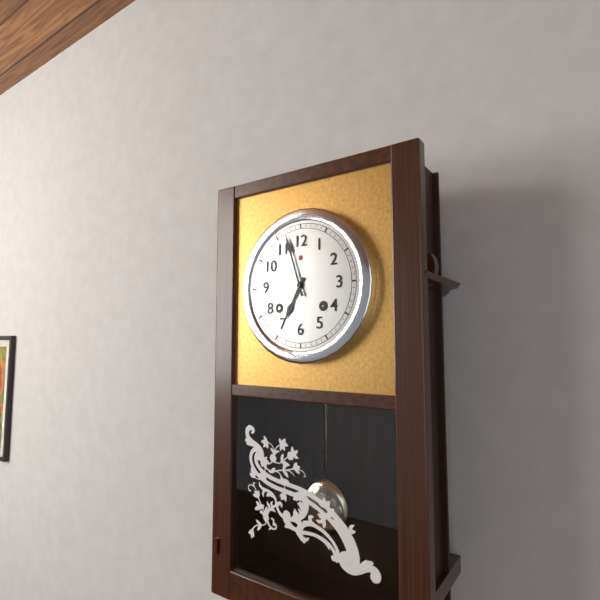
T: 6 h 57 min
